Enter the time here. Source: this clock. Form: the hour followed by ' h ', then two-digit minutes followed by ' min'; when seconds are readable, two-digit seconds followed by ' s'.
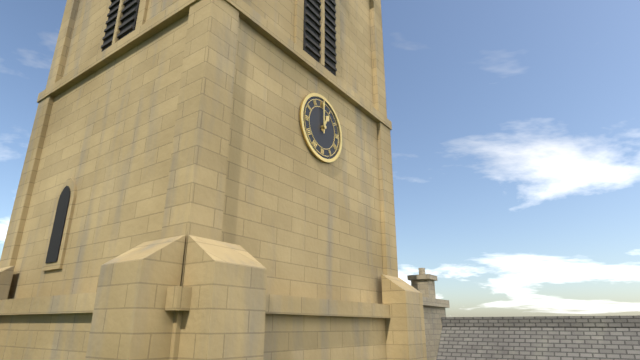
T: 1 h 00 min
